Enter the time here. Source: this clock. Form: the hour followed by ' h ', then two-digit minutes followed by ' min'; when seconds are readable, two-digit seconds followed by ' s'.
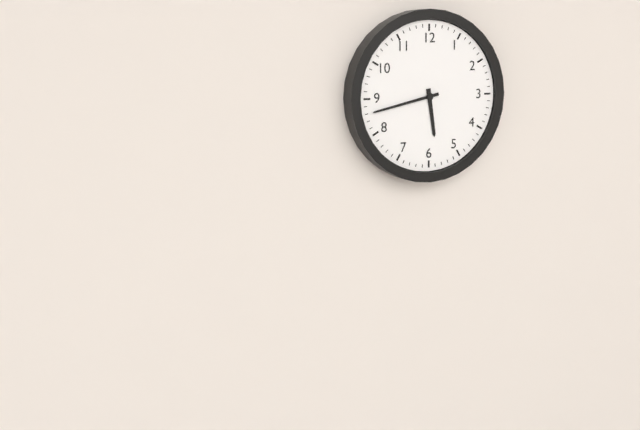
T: 5 h 43 min
